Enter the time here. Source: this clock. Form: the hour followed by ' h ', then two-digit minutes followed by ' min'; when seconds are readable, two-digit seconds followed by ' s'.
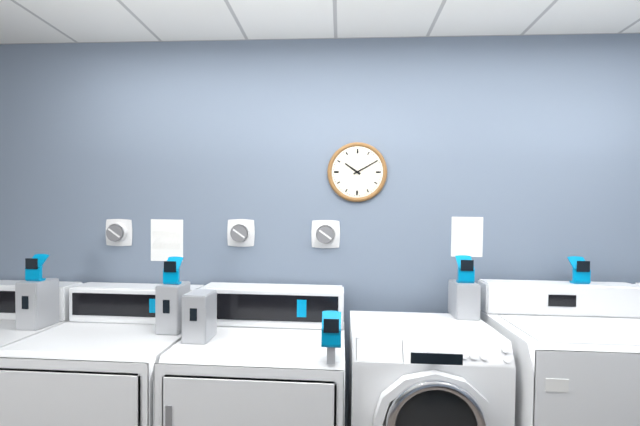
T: 10 h 10 min
